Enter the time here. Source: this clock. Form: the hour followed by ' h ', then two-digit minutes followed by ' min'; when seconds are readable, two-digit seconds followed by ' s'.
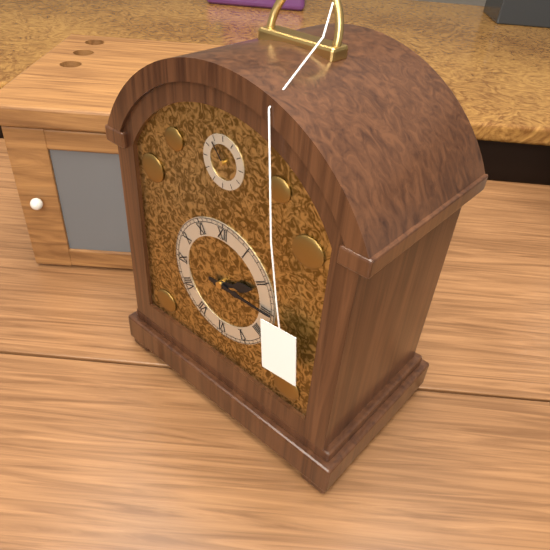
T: 2 h 15 min
